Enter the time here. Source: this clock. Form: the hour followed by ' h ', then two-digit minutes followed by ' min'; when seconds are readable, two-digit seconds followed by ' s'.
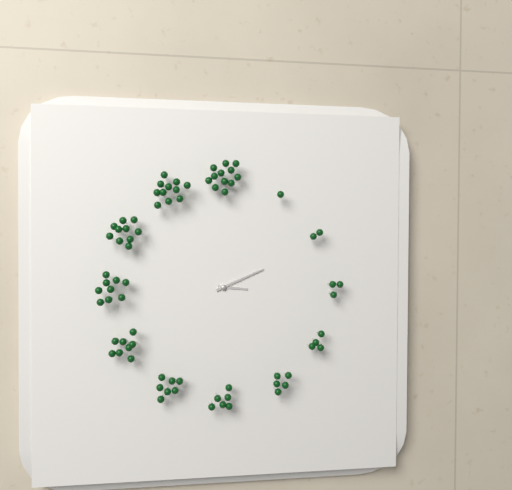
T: 3 h 11 min
